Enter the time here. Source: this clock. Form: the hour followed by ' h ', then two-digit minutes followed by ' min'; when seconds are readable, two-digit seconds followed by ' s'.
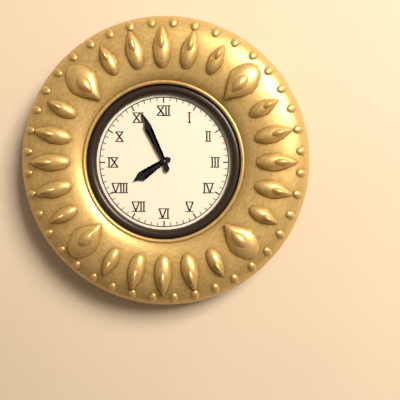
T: 7 h 56 min
